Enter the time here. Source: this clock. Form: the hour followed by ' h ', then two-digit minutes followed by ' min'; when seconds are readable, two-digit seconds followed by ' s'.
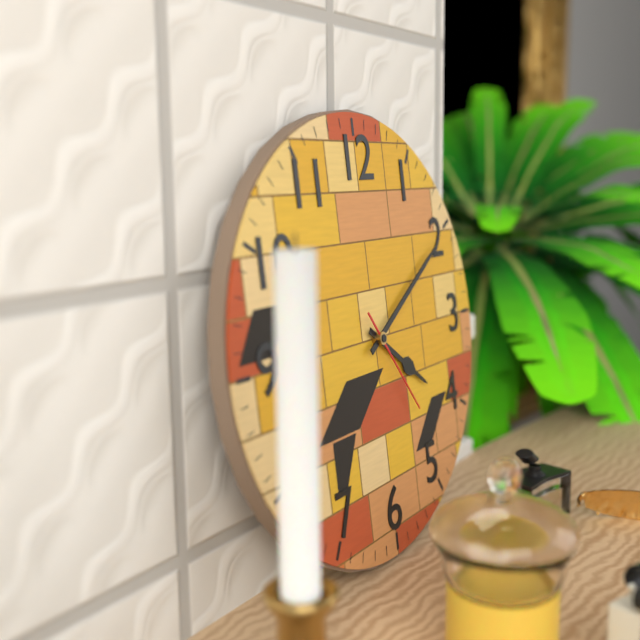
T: 4 h 10 min 24 s
